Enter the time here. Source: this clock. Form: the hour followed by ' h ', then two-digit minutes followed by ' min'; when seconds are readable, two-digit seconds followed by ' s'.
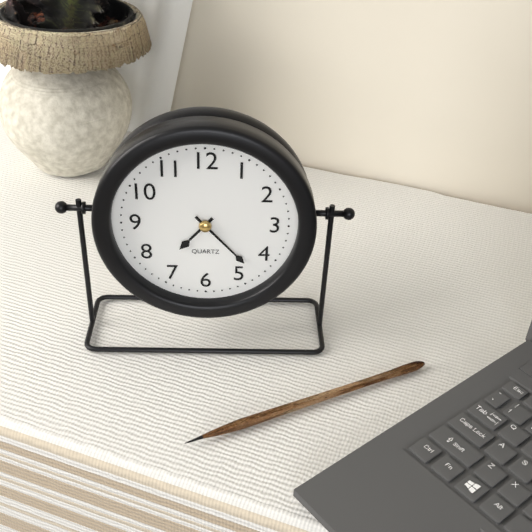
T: 7 h 23 min
